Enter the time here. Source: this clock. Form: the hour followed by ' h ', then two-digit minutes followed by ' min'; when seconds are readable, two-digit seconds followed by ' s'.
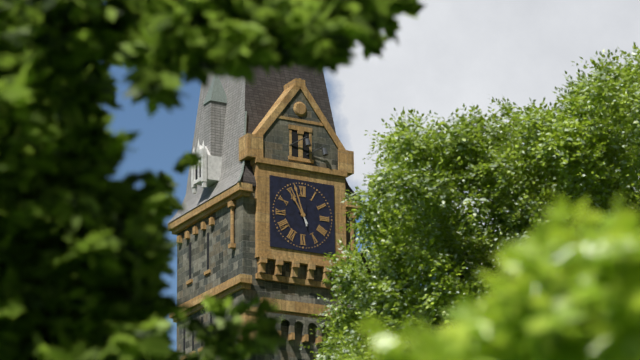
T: 10 h 57 min
